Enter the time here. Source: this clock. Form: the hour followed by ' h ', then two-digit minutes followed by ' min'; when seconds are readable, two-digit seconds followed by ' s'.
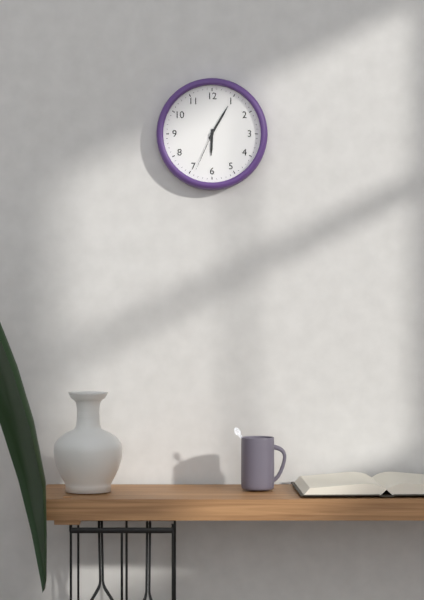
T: 6 h 05 min
